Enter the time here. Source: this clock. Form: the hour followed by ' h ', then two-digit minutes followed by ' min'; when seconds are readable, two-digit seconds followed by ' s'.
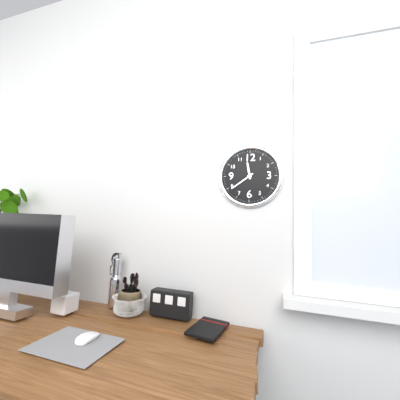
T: 11 h 39 min
